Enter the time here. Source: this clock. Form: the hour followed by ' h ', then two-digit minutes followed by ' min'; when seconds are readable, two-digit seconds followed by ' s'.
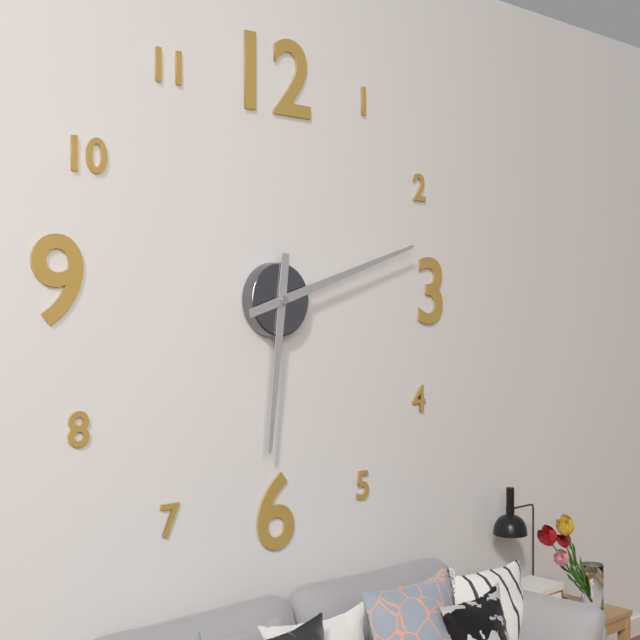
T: 6 h 12 min
